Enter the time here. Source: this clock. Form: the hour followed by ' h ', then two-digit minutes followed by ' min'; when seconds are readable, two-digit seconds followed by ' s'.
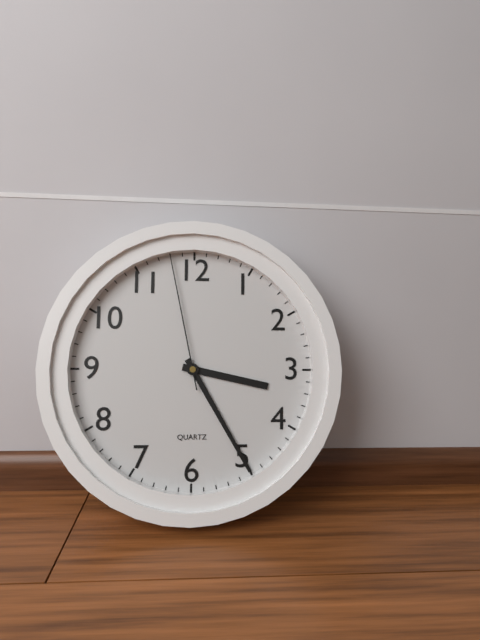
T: 3 h 25 min 58 s
